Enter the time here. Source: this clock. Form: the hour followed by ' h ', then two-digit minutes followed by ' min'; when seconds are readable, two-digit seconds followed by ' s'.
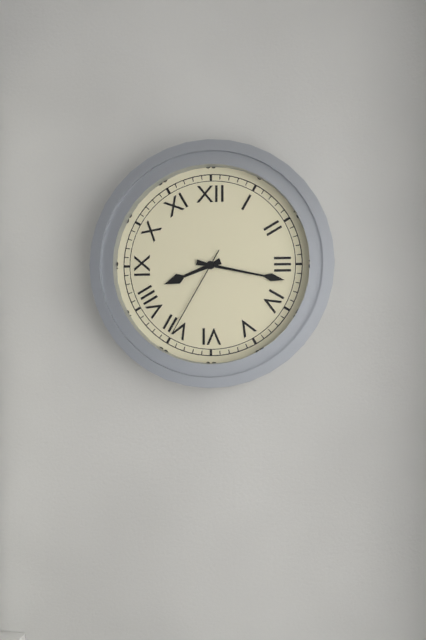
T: 8 h 17 min 35 s
